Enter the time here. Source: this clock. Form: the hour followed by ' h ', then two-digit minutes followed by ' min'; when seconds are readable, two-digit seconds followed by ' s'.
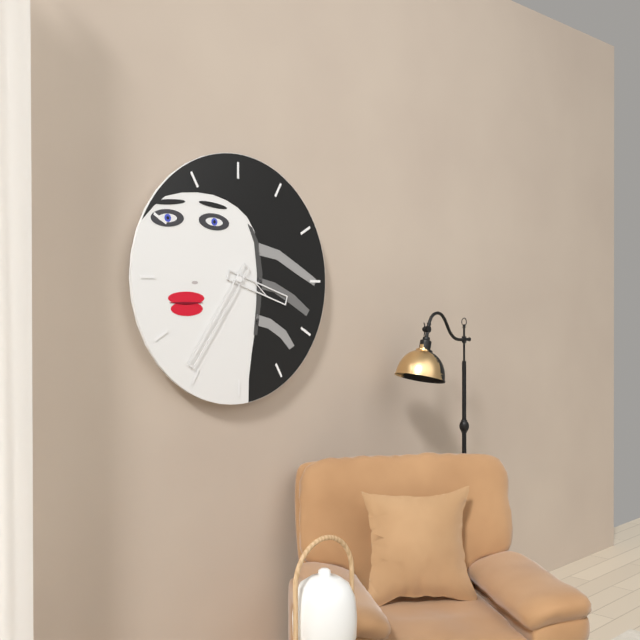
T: 3 h 36 min
